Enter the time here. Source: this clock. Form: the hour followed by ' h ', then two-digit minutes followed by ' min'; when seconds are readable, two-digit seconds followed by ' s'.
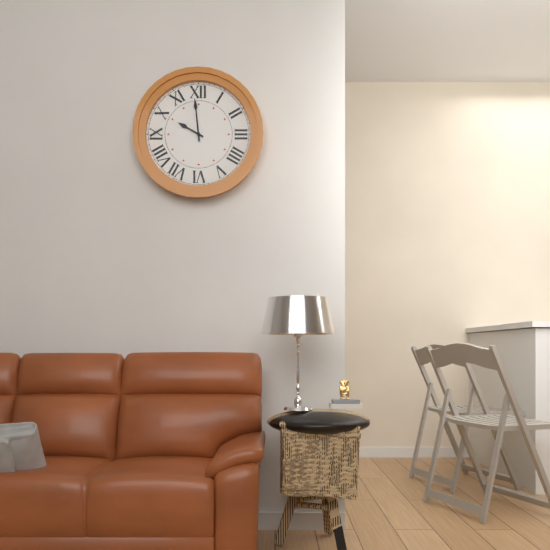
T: 9 h 59 min
